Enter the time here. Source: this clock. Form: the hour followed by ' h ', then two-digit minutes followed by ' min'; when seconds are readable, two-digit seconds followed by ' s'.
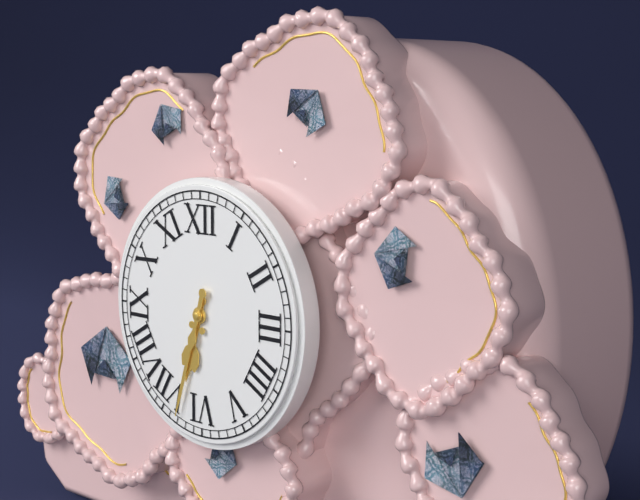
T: 6 h 33 min
